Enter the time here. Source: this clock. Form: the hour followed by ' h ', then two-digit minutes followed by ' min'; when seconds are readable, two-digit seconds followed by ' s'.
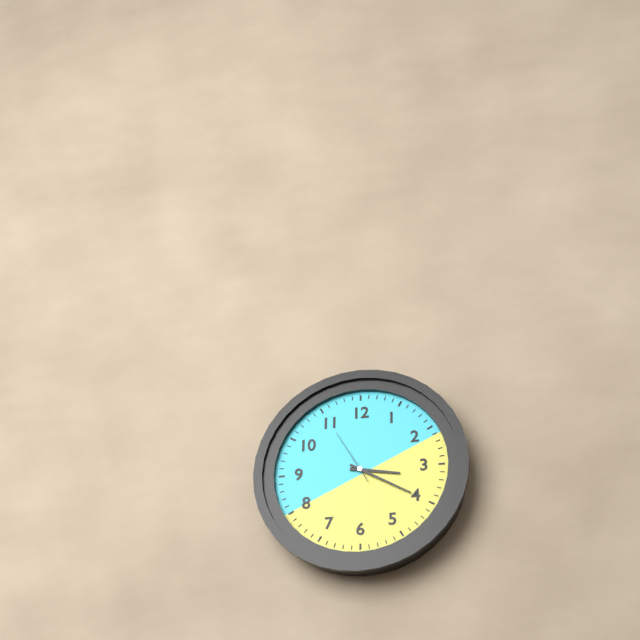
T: 3 h 20 min 55 s
